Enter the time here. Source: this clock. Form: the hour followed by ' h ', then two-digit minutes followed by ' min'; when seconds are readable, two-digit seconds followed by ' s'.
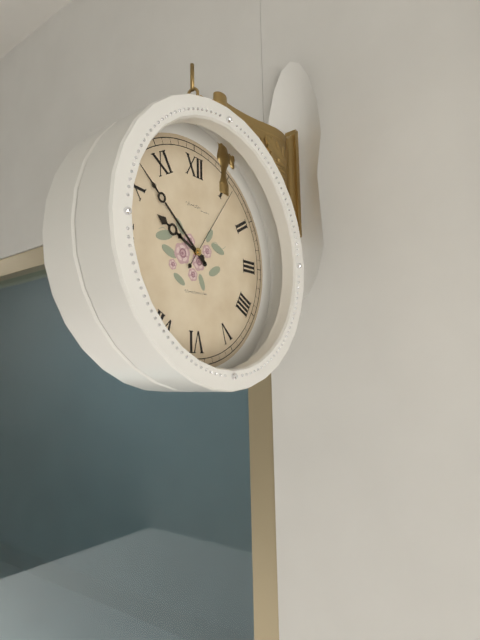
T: 9 h 52 min 06 s
